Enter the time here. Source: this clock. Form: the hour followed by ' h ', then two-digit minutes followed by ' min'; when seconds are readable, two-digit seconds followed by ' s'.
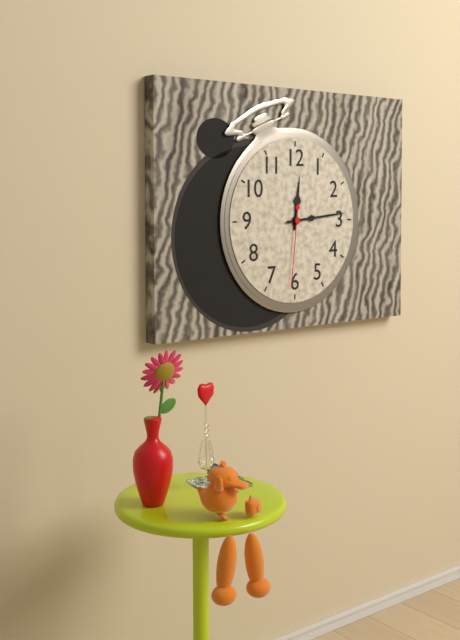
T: 12 h 14 min 31 s
